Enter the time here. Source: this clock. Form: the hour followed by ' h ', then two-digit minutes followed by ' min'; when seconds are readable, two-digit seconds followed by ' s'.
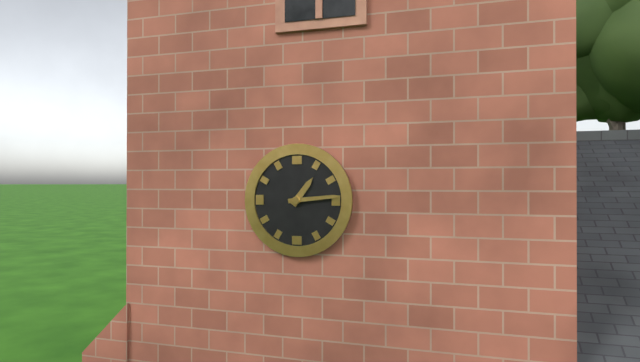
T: 1 h 14 min
